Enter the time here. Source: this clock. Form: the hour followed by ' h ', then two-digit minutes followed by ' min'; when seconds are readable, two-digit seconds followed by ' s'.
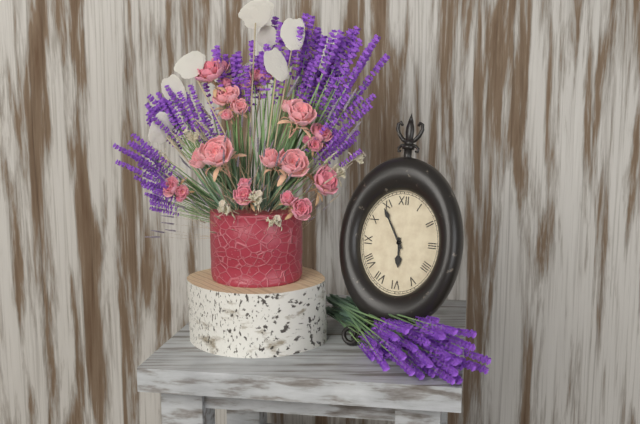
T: 5 h 55 min
